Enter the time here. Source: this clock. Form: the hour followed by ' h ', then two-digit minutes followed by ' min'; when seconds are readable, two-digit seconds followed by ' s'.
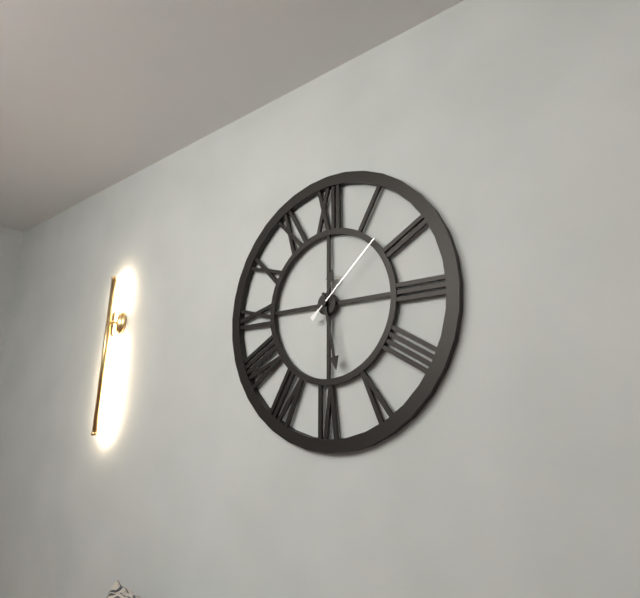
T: 12 h 28 min 08 s
